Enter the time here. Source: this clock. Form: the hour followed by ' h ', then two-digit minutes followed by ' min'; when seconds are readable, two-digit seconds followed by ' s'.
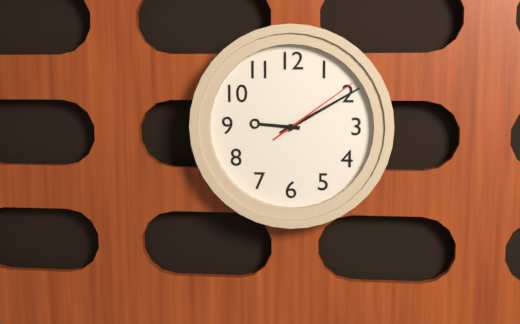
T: 9 h 10 min 09 s
